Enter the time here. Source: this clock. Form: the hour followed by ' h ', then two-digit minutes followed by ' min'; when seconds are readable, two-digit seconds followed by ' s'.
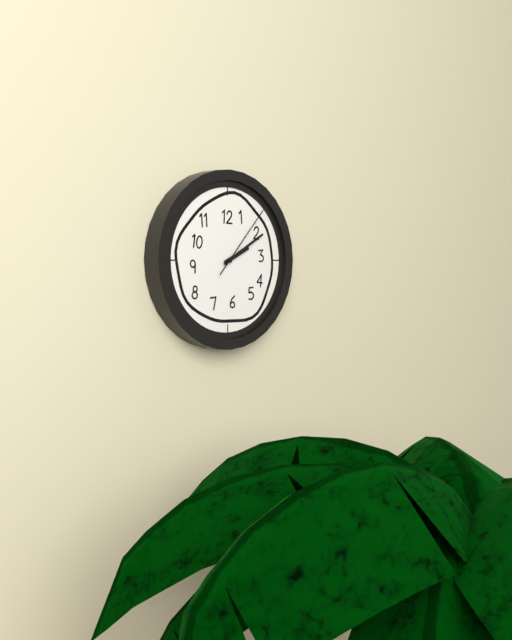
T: 2 h 10 min 07 s
